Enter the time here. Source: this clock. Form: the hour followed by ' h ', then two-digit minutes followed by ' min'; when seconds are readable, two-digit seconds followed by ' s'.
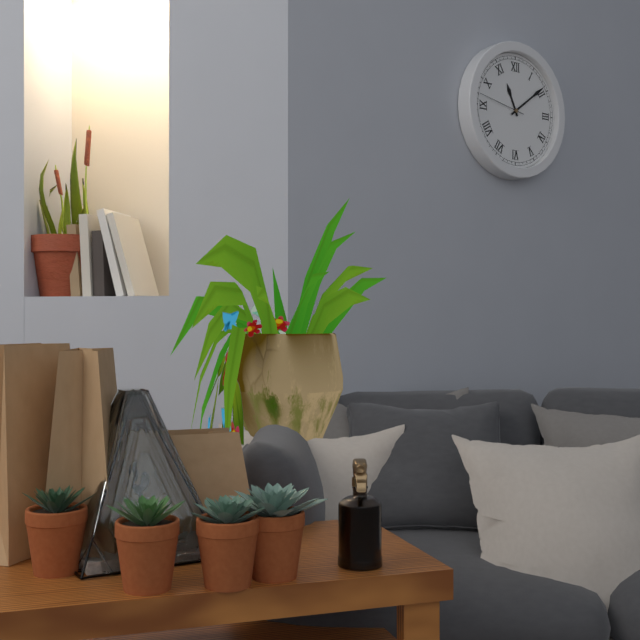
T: 11 h 09 min 47 s
